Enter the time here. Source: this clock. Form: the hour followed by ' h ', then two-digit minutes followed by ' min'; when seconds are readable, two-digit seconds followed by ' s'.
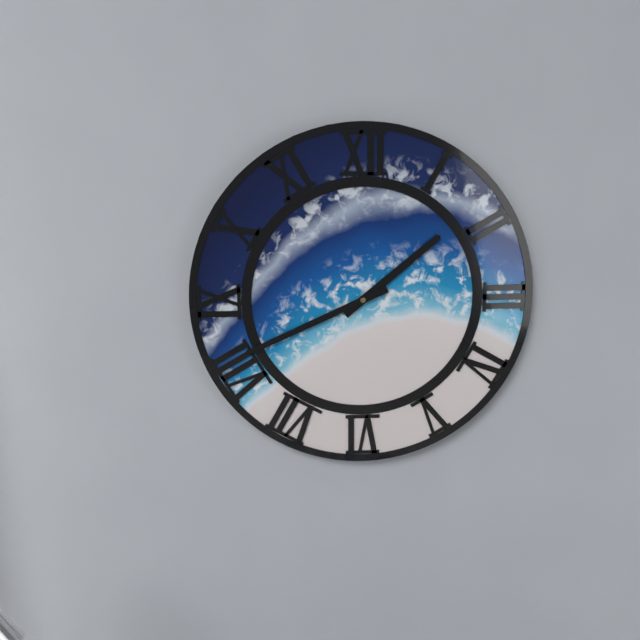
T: 1 h 41 min
